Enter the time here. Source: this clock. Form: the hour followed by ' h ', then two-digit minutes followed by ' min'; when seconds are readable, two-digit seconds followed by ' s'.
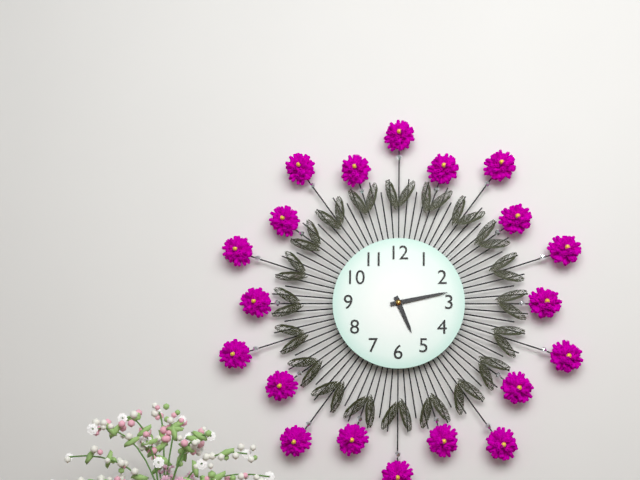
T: 5 h 13 min
